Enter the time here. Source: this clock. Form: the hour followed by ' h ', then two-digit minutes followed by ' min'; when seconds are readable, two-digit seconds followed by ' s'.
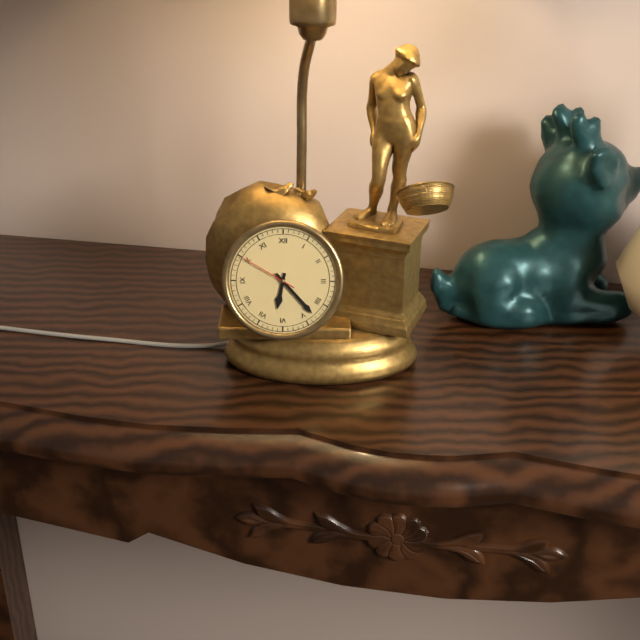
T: 6 h 23 min 50 s
